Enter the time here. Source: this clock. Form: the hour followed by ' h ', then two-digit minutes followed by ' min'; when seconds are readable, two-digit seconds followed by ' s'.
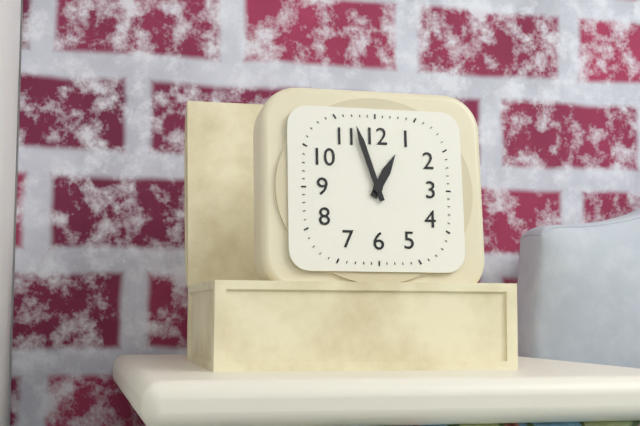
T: 12 h 57 min
